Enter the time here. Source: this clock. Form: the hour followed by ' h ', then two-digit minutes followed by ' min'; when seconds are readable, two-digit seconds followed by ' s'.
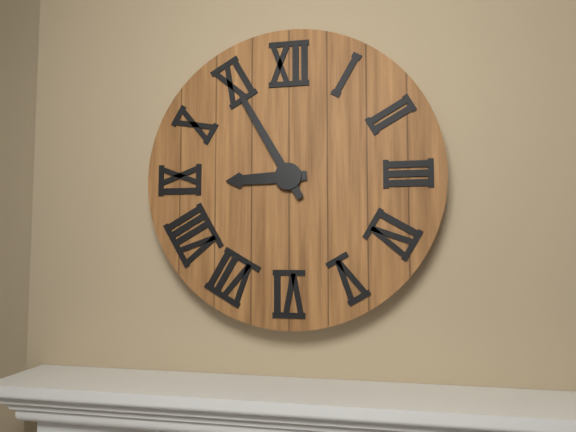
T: 8 h 55 min
